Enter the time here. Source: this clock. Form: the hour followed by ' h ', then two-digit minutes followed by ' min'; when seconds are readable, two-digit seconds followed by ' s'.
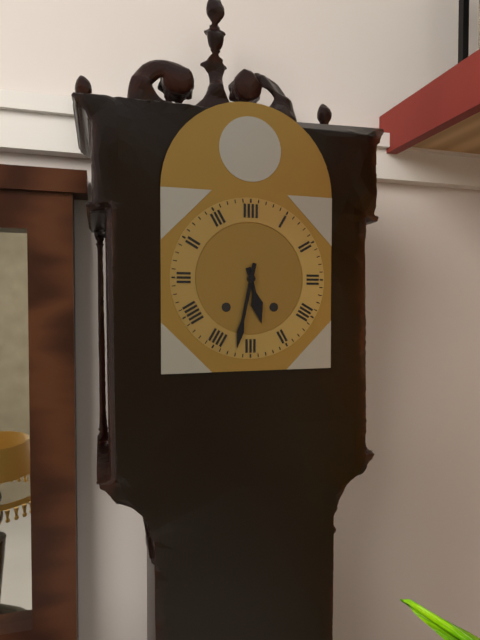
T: 5 h 32 min
